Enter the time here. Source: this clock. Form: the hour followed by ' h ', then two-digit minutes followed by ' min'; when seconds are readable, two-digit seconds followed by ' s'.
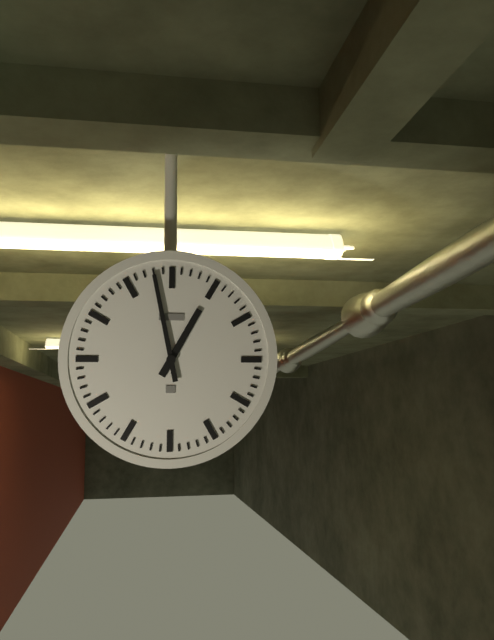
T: 12 h 58 min
